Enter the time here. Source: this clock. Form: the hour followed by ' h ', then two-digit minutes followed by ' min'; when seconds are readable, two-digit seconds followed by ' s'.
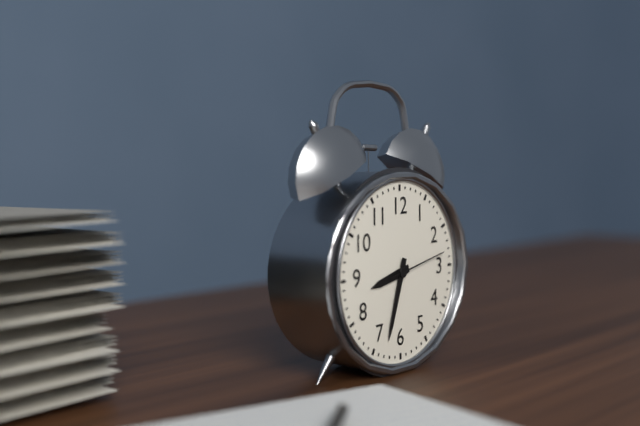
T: 8 h 33 min 13 s
